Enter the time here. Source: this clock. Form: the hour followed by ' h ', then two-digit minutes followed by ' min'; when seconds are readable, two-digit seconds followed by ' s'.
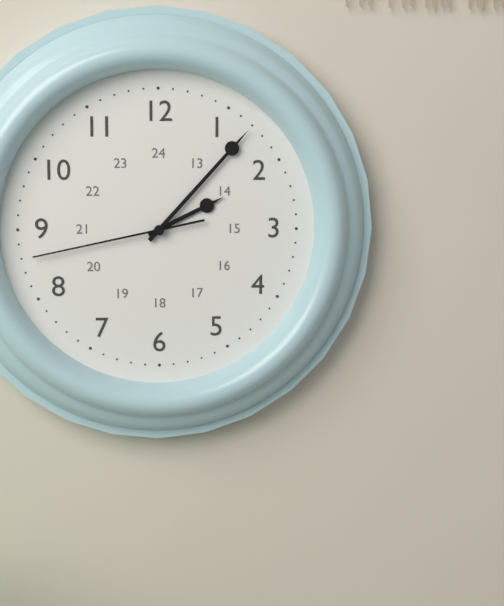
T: 2 h 07 min 43 s
